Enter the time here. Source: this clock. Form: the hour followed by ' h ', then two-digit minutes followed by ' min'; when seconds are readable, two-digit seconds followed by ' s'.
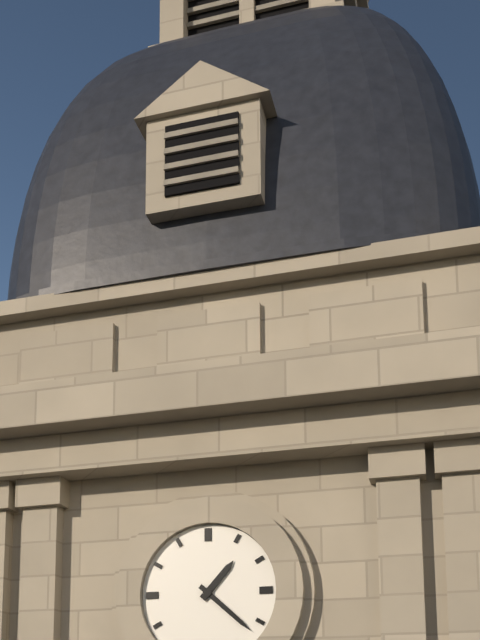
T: 1 h 22 min
